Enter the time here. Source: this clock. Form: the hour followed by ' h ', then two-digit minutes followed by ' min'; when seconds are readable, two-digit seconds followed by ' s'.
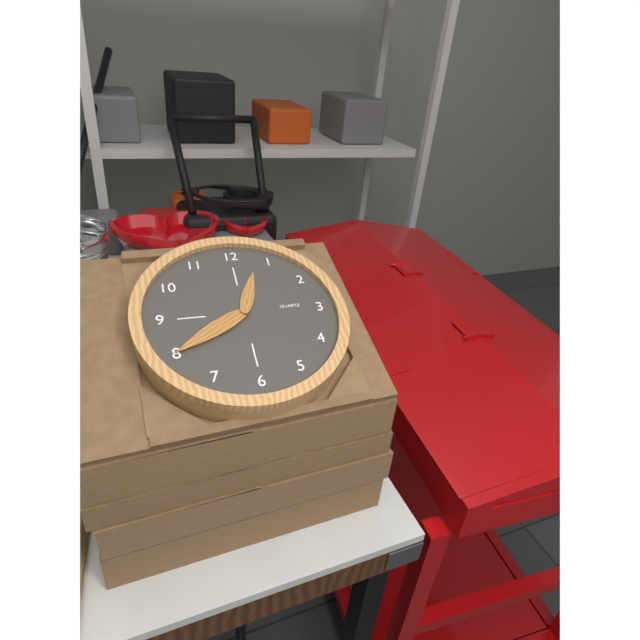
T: 12 h 40 min
